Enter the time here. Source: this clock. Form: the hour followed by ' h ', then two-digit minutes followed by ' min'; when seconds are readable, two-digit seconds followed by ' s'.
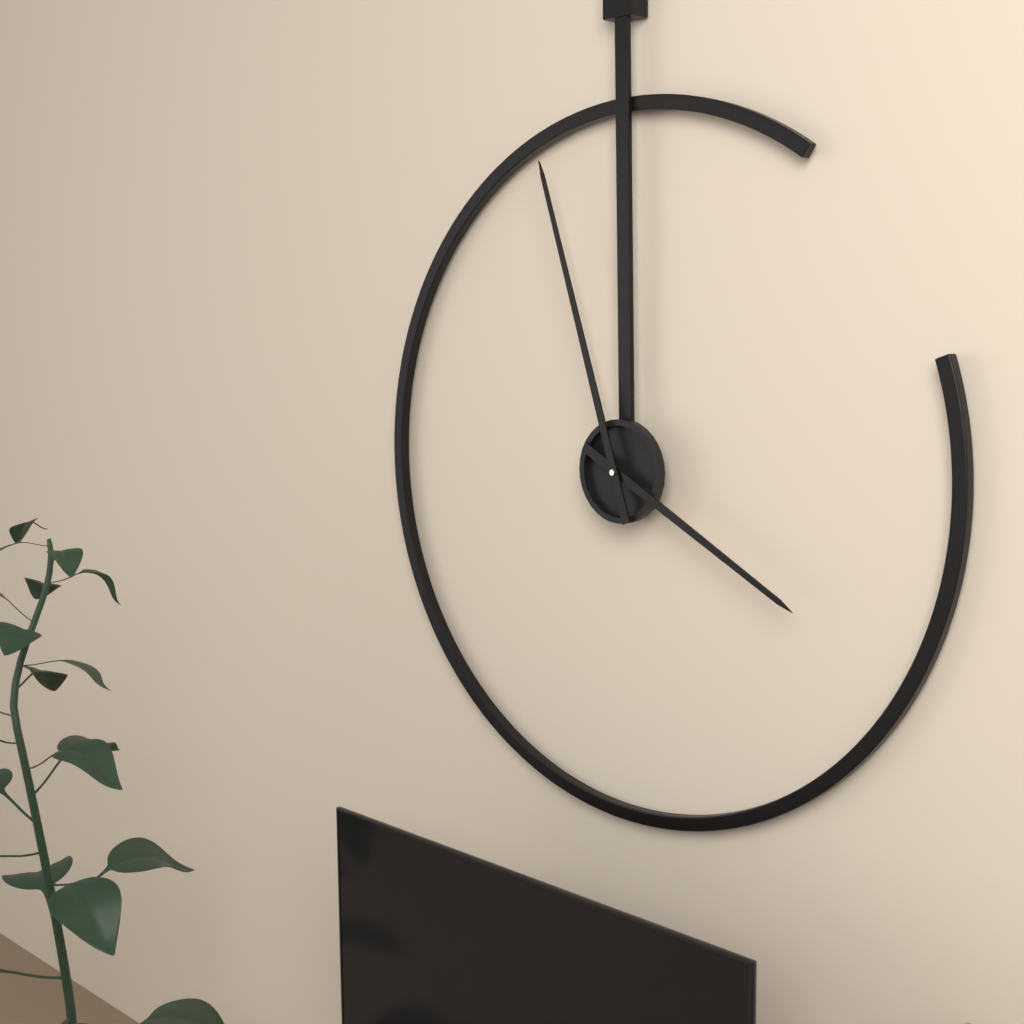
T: 3 h 57 min
